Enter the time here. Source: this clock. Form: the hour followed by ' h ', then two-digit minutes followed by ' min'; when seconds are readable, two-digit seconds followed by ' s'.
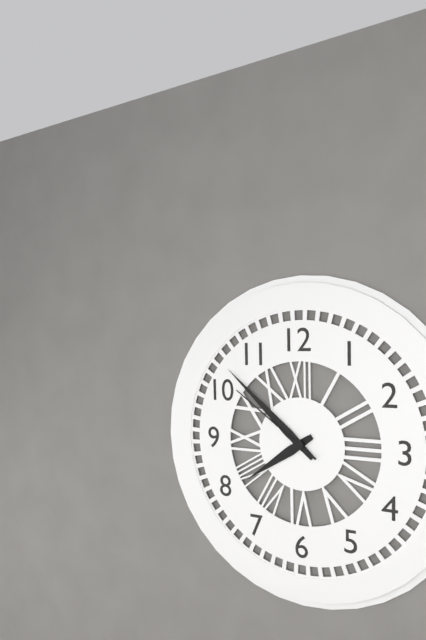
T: 7 h 52 min 51 s
